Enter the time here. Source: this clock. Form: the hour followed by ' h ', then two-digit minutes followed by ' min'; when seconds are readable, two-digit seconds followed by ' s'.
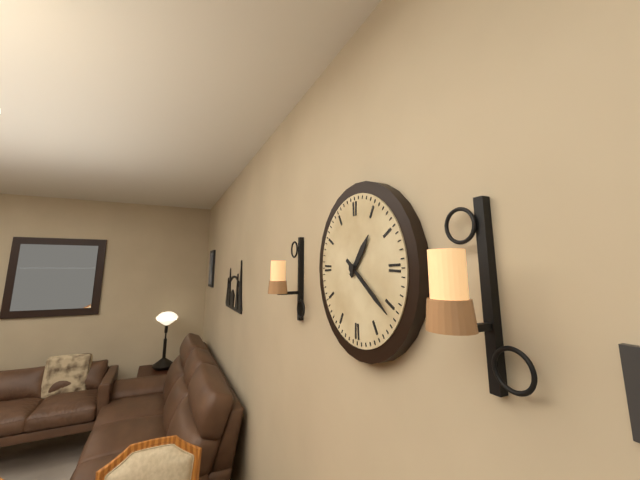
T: 1 h 21 min
